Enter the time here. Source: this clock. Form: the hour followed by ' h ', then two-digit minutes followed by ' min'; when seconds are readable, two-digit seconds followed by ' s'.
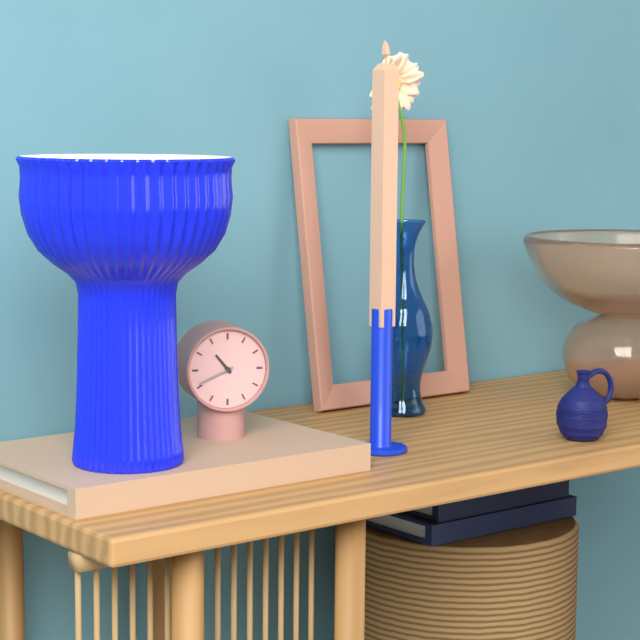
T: 10 h 41 min
